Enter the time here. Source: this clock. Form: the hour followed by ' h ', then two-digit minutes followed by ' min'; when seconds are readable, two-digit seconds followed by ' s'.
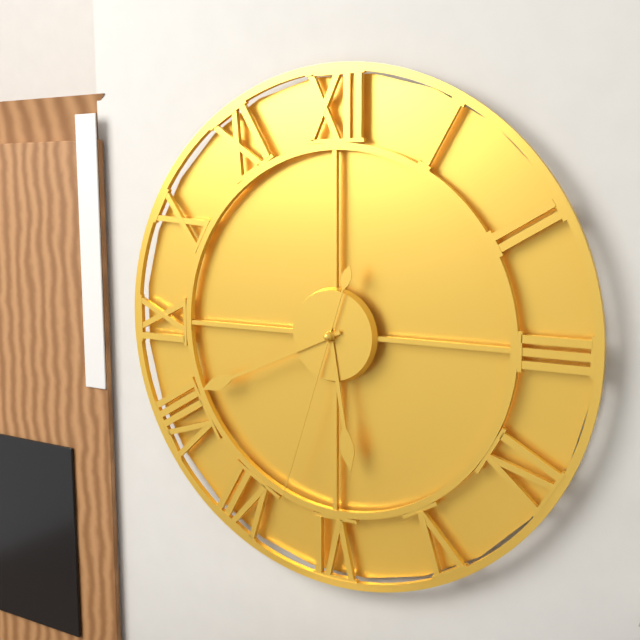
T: 5 h 41 min 33 s
